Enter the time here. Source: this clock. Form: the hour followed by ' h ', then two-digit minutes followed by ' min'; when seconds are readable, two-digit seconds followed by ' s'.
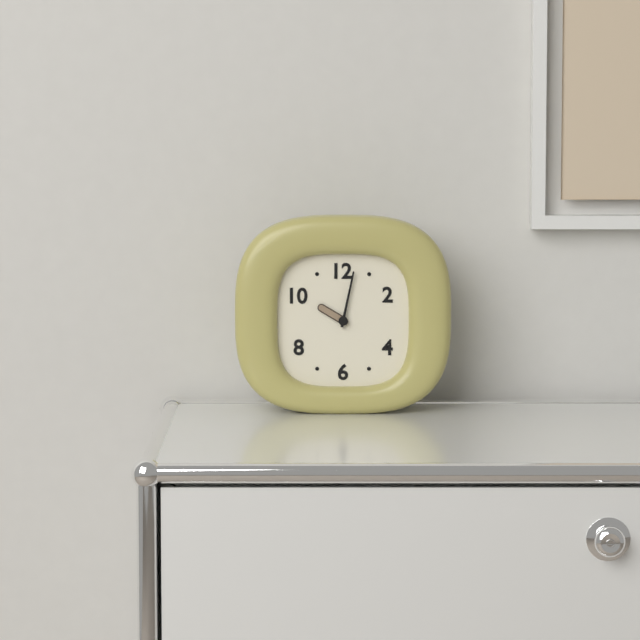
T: 10 h 02 min
